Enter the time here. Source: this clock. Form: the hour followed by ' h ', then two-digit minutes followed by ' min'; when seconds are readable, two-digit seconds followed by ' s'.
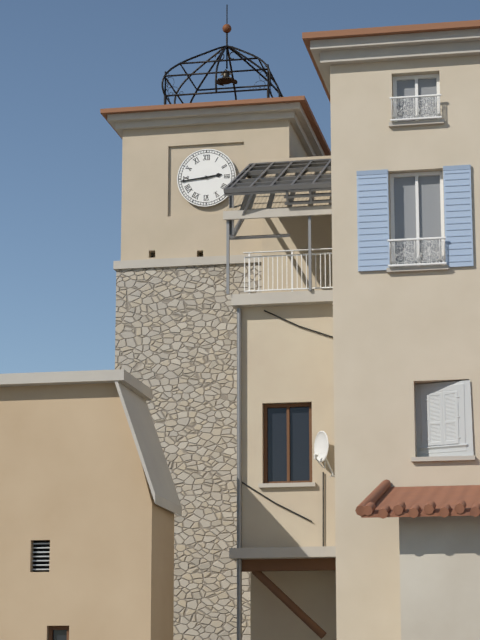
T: 2 h 44 min
